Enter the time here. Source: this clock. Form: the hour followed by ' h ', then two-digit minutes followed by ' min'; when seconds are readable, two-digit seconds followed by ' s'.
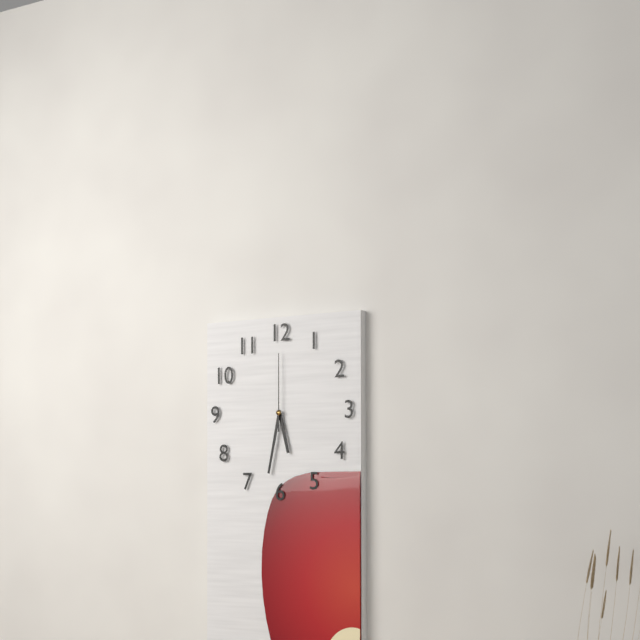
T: 5 h 32 min 00 s
